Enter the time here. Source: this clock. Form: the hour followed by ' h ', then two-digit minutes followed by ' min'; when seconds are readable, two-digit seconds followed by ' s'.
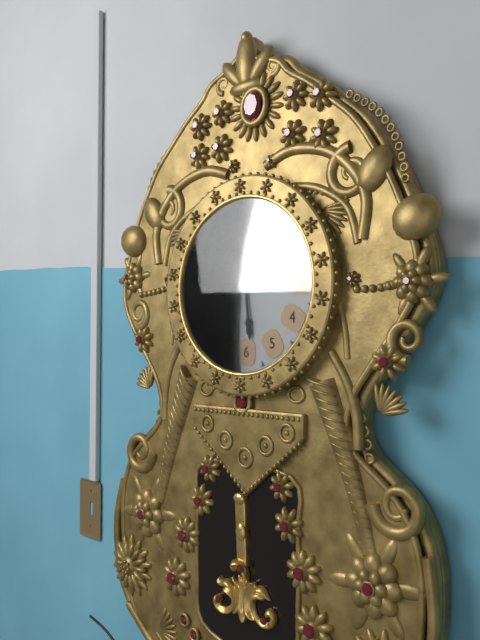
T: 5 h 47 min
